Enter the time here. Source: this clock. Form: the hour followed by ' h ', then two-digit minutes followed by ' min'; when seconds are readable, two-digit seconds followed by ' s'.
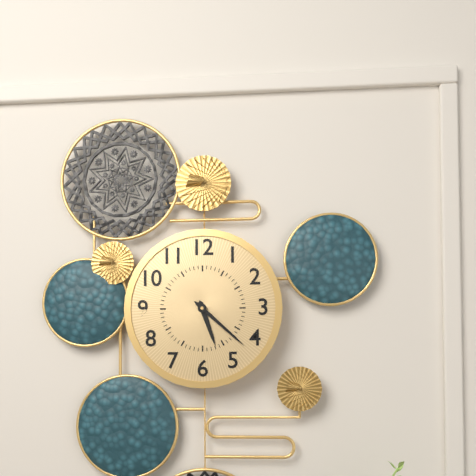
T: 5 h 22 min
